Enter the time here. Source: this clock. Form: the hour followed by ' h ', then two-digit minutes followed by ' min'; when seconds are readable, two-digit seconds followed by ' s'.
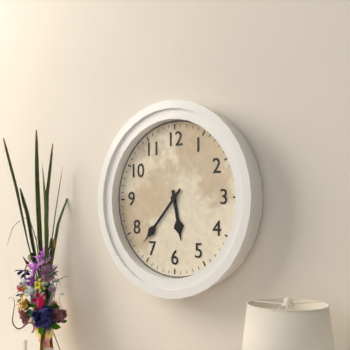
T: 5 h 37 min
